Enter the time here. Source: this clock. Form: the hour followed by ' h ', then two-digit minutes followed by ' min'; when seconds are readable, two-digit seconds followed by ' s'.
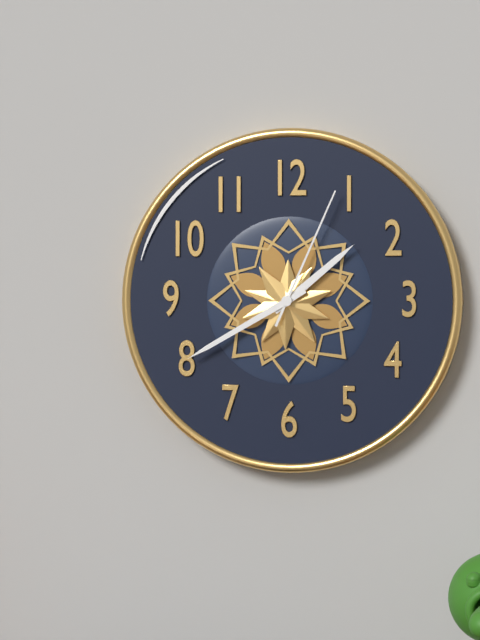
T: 1 h 40 min 04 s
